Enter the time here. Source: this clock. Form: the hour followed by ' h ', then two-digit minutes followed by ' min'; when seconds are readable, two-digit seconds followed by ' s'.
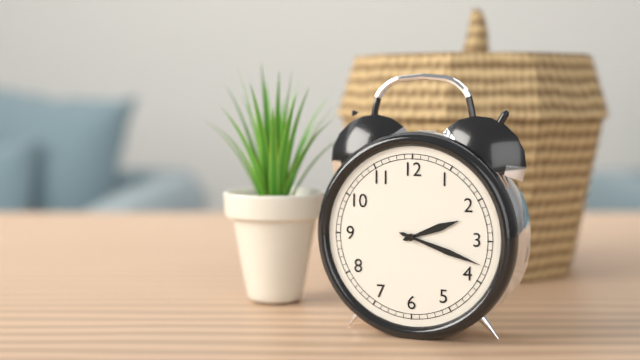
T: 2 h 18 min
